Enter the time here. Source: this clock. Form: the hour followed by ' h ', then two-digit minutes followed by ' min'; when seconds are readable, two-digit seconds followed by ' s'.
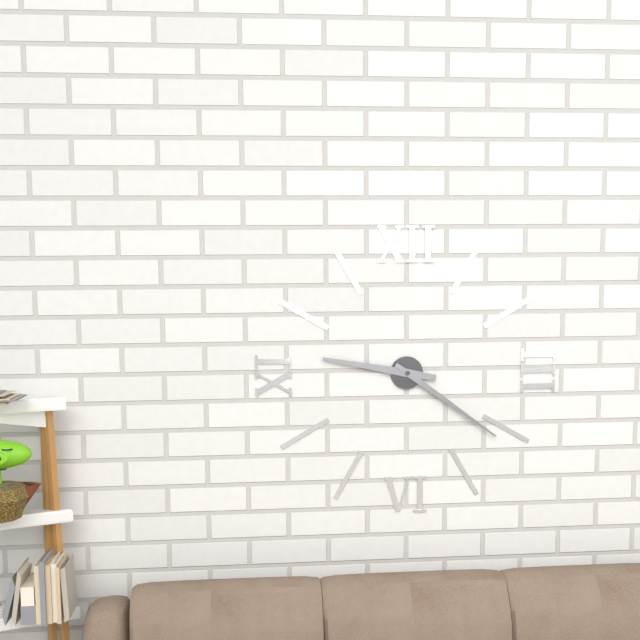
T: 9 h 21 min
